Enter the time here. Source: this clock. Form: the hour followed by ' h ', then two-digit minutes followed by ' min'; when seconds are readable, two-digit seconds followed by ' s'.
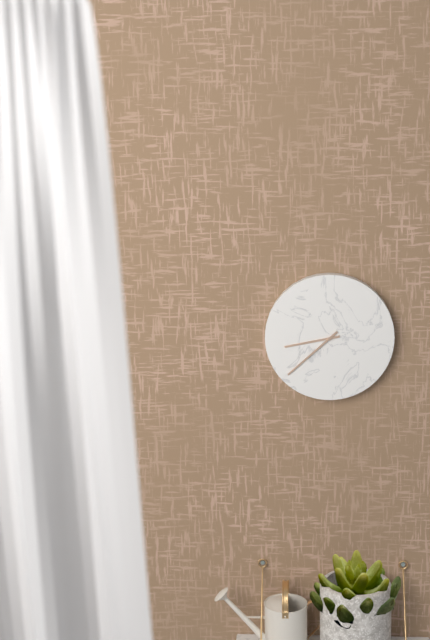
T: 8 h 38 min
